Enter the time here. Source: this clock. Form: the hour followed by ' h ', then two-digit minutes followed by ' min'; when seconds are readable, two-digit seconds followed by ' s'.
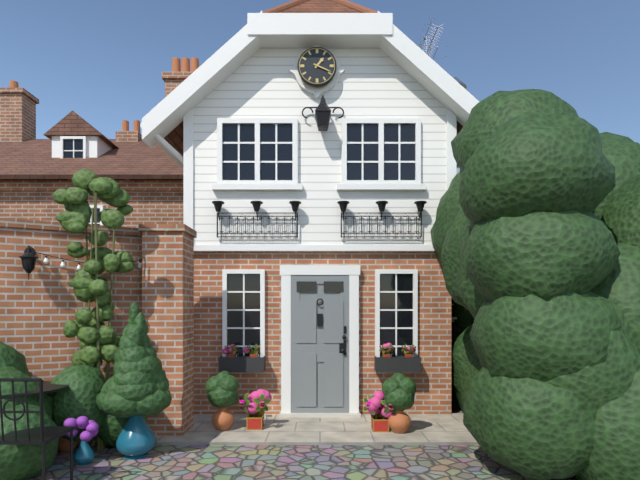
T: 1 h 19 min
